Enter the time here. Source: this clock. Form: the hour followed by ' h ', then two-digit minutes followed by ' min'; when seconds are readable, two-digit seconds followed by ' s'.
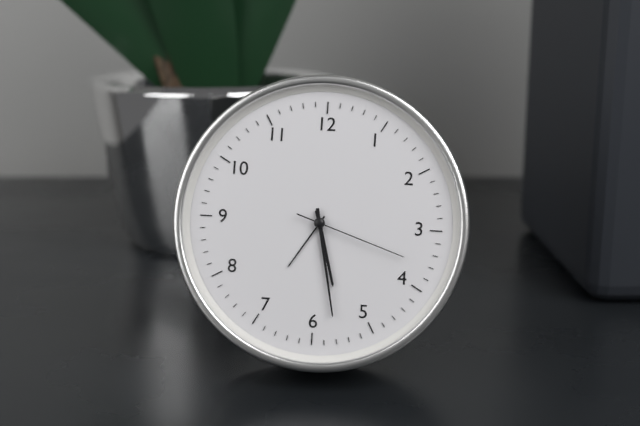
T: 5 h 28 min 18 s
